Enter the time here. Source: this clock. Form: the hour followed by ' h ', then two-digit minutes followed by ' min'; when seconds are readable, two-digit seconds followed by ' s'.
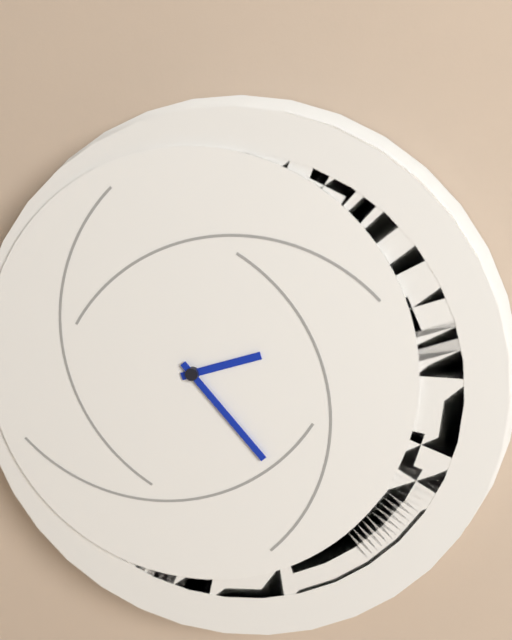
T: 2 h 23 min
